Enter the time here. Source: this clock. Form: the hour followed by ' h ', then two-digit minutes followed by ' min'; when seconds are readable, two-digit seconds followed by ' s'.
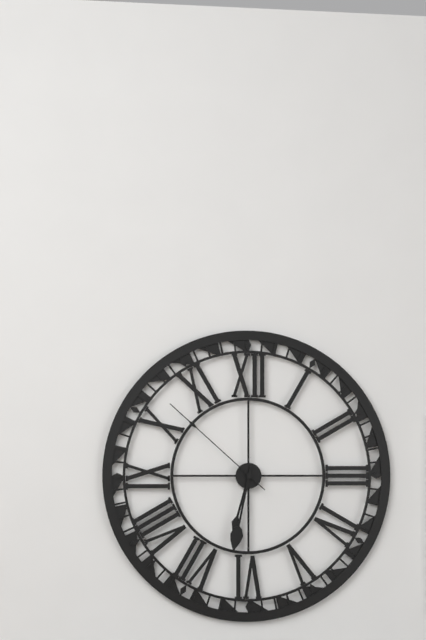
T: 6 h 32 min 52 s
